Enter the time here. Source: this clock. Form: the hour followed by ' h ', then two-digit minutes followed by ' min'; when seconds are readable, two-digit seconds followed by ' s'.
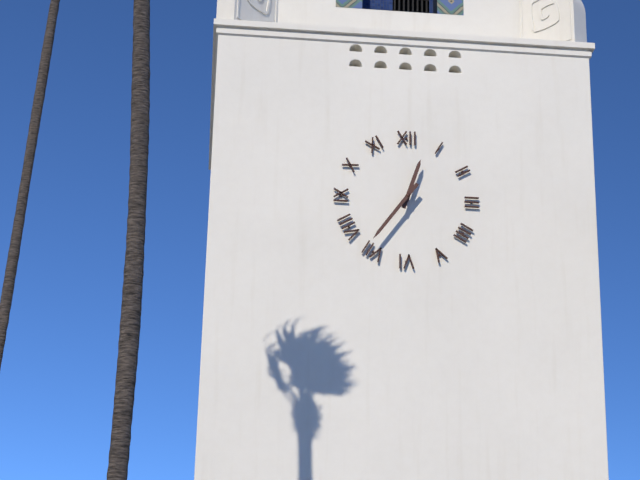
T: 12 h 36 min
